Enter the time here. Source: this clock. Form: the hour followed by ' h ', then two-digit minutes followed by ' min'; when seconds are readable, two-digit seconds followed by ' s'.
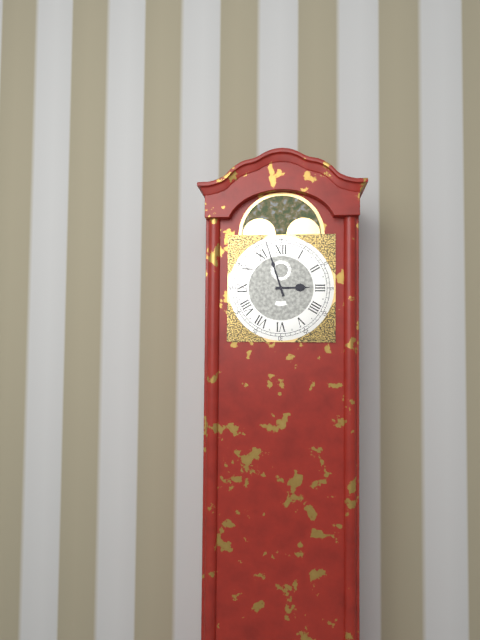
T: 2 h 57 min
